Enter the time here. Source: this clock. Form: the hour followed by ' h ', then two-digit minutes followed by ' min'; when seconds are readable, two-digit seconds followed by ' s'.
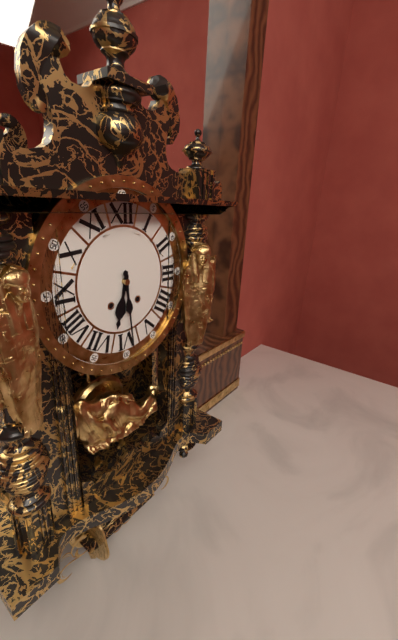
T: 6 h 29 min
